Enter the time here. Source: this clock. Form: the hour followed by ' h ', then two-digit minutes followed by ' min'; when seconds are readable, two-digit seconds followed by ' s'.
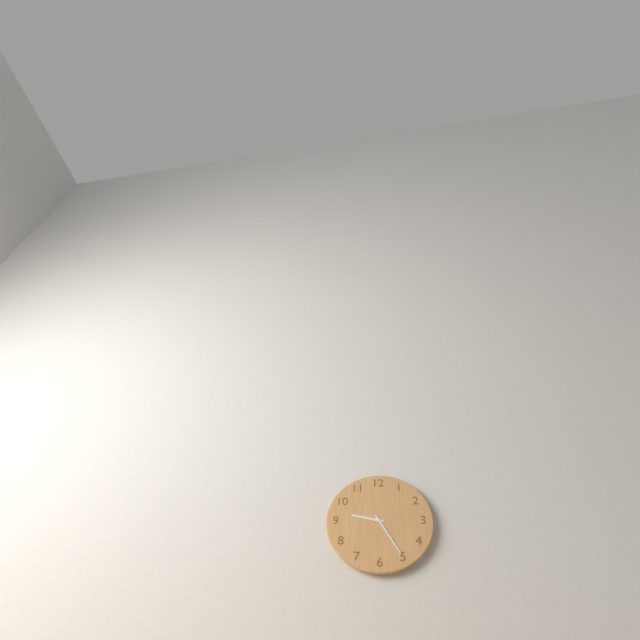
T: 9 h 25 min
